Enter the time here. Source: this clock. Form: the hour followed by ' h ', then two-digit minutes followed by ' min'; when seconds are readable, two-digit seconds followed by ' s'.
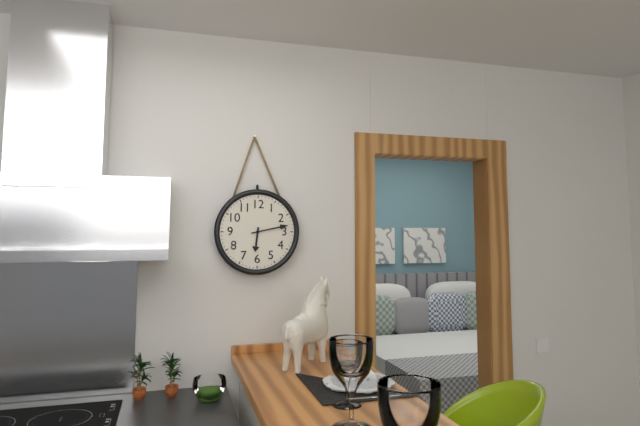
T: 6 h 13 min
